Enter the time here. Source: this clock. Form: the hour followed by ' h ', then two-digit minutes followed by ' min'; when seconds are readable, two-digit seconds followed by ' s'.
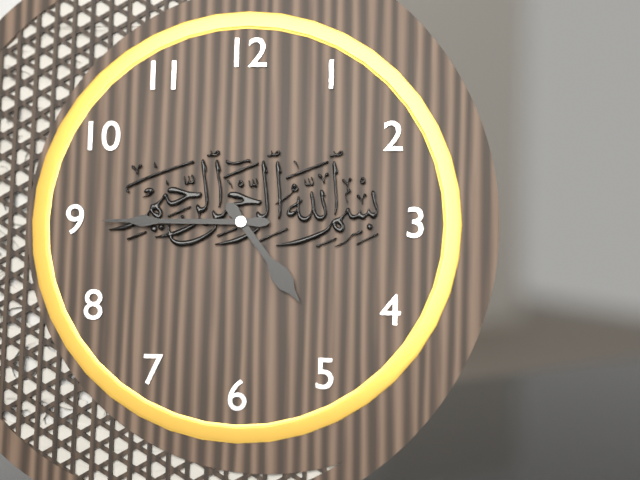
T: 4 h 45 min
